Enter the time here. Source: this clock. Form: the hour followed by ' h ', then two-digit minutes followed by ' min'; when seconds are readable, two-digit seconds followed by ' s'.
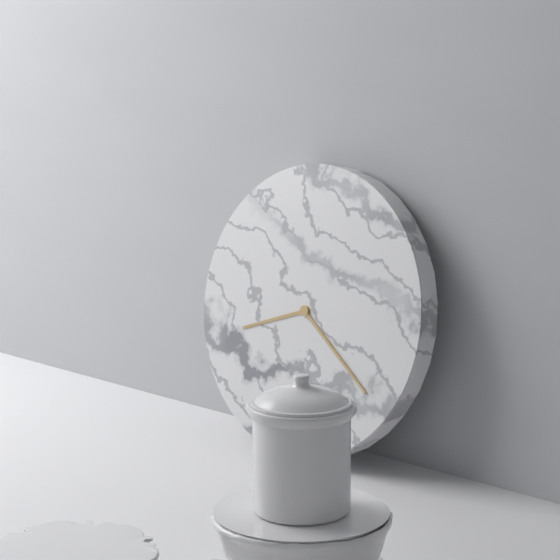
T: 8 h 21 min
